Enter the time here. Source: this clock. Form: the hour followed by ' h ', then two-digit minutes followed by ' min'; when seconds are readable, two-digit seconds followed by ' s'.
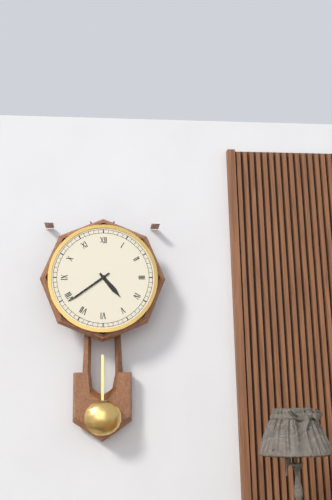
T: 4 h 39 min
